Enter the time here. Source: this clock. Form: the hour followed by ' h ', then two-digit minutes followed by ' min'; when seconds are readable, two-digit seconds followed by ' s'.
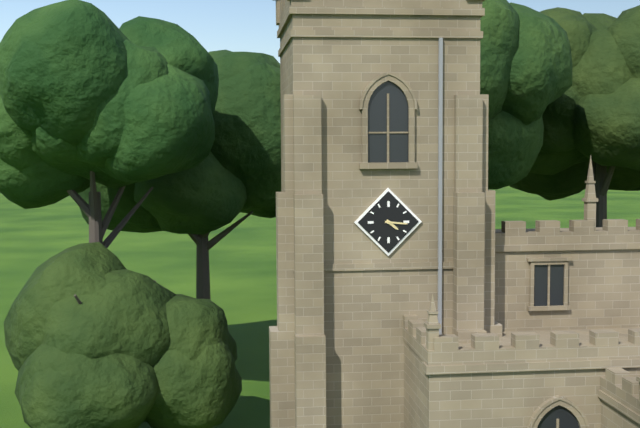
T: 4 h 16 min
